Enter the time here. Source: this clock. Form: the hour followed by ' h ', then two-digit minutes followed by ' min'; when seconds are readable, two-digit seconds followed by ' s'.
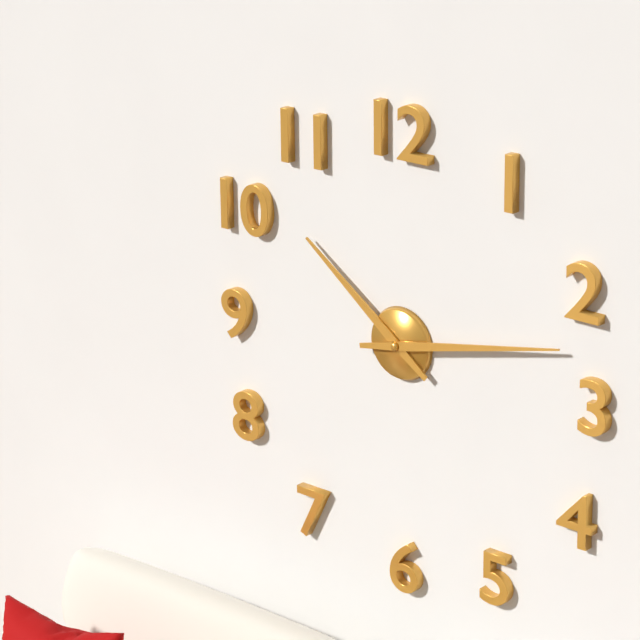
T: 10 h 13 min
